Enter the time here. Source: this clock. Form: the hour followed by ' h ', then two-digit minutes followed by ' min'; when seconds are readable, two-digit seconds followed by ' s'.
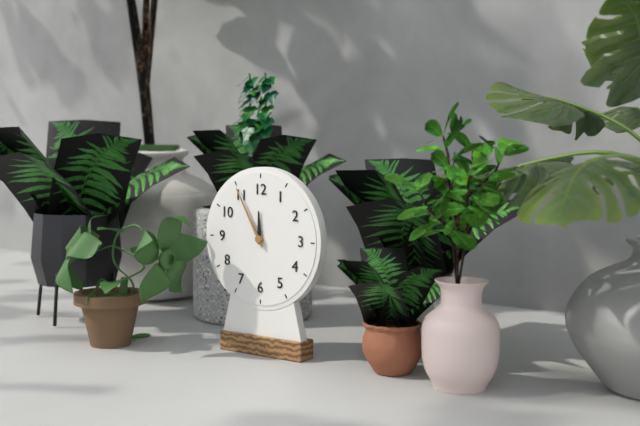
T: 11 h 55 min
